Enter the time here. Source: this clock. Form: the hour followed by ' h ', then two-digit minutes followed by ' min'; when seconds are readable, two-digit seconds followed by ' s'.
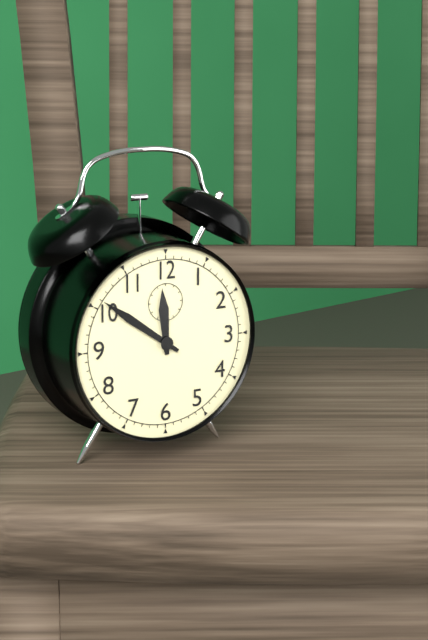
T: 11 h 51 min
